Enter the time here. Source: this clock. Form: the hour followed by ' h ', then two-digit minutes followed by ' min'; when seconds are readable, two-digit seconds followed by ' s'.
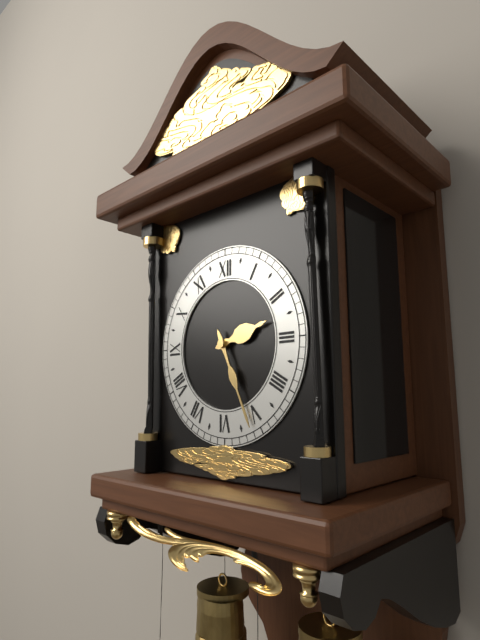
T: 2 h 26 min
